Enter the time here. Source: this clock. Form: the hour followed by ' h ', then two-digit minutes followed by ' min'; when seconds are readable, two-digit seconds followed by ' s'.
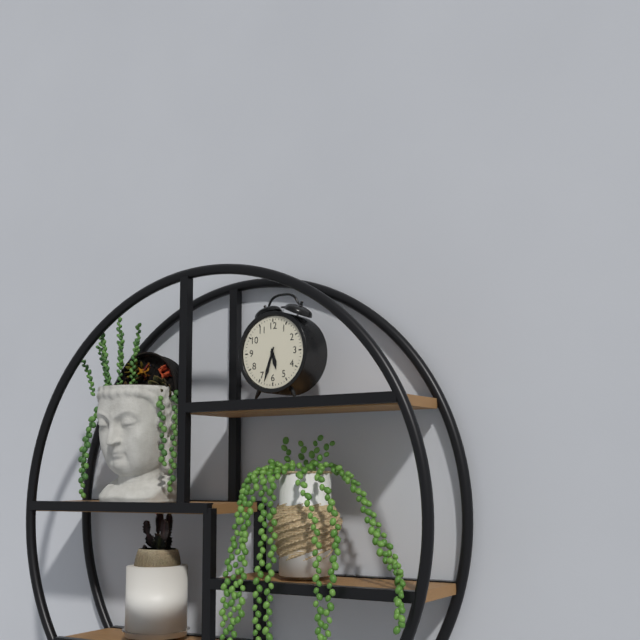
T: 5 h 33 min
